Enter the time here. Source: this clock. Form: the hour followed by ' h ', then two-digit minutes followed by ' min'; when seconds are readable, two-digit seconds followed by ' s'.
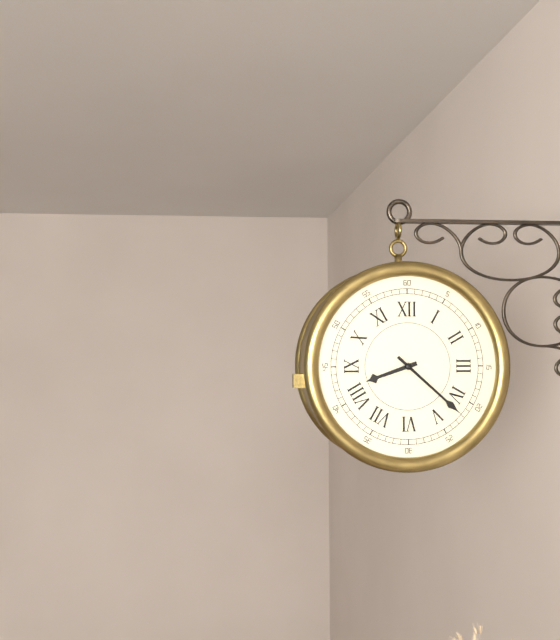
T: 8 h 22 min
